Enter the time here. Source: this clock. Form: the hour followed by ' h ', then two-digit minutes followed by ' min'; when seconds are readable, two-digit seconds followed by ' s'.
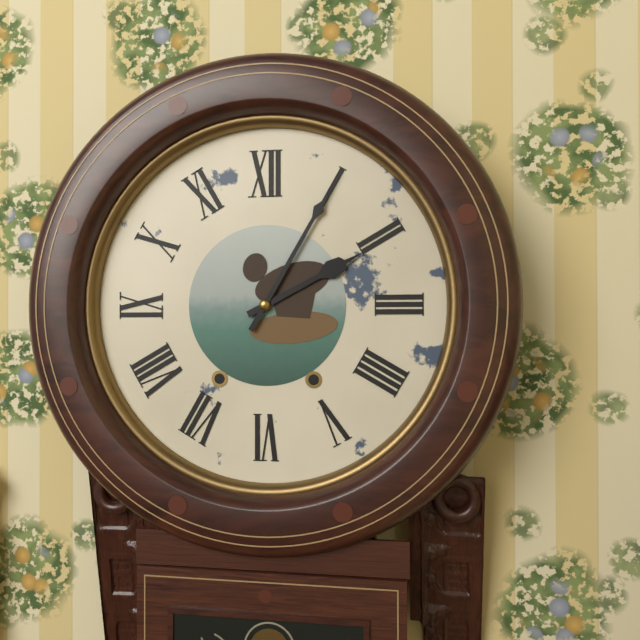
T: 2 h 05 min
